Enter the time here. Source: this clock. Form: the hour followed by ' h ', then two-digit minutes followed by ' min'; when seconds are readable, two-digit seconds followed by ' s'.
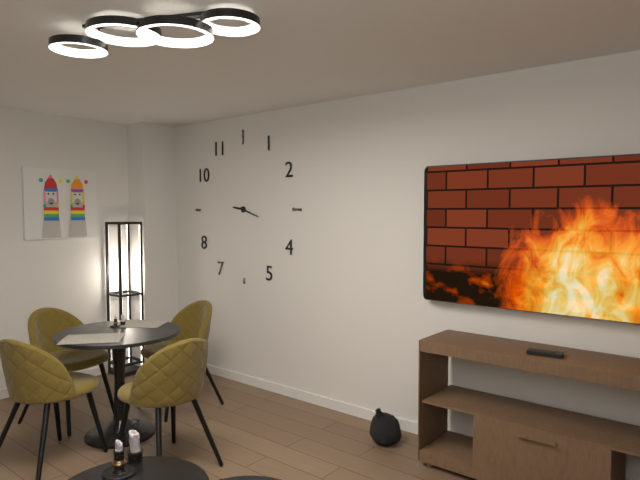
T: 9 h 18 min
